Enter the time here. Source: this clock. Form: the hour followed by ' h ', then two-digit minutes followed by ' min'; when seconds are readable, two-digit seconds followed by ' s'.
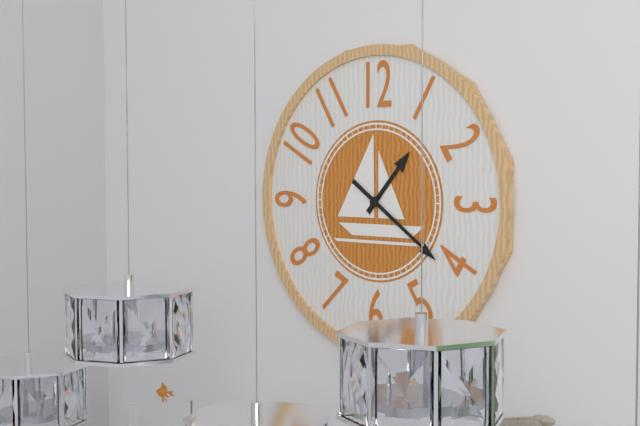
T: 1 h 21 min
